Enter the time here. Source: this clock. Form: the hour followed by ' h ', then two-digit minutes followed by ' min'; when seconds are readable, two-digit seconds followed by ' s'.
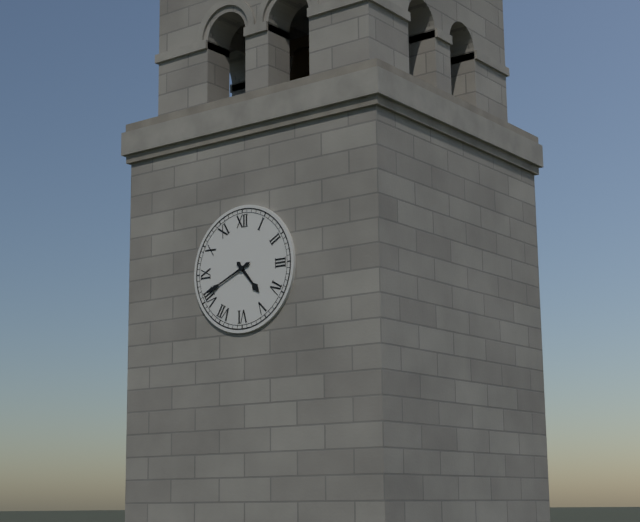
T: 4 h 41 min
